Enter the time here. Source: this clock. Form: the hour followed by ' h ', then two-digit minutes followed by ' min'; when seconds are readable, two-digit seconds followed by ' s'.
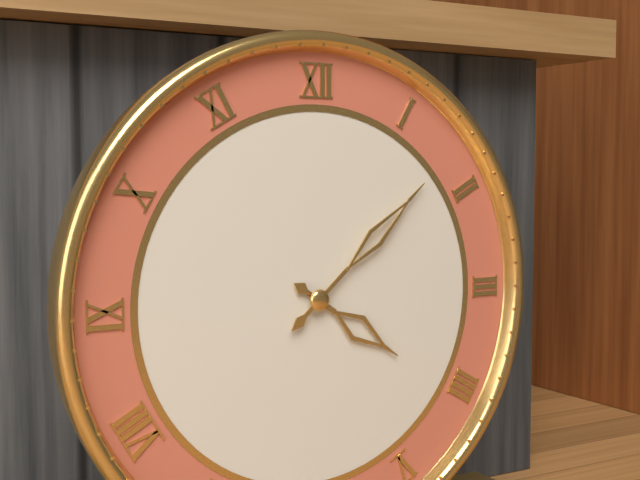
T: 4 h 08 min
